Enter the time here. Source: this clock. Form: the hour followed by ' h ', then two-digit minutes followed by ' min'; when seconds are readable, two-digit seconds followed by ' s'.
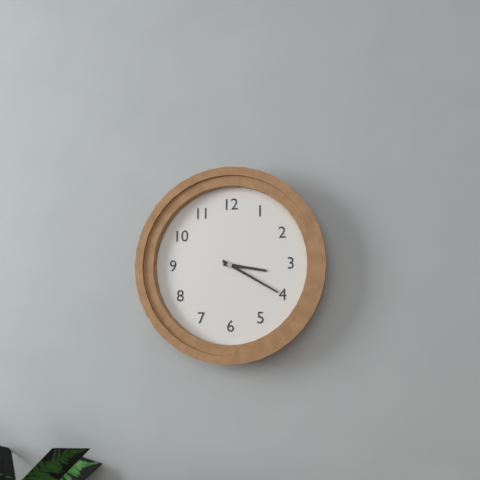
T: 3 h 20 min
